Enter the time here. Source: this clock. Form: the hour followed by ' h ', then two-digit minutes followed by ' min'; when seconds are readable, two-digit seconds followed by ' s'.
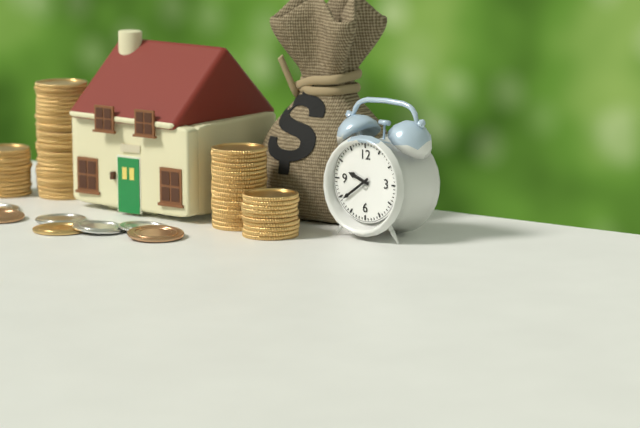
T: 9 h 39 min
